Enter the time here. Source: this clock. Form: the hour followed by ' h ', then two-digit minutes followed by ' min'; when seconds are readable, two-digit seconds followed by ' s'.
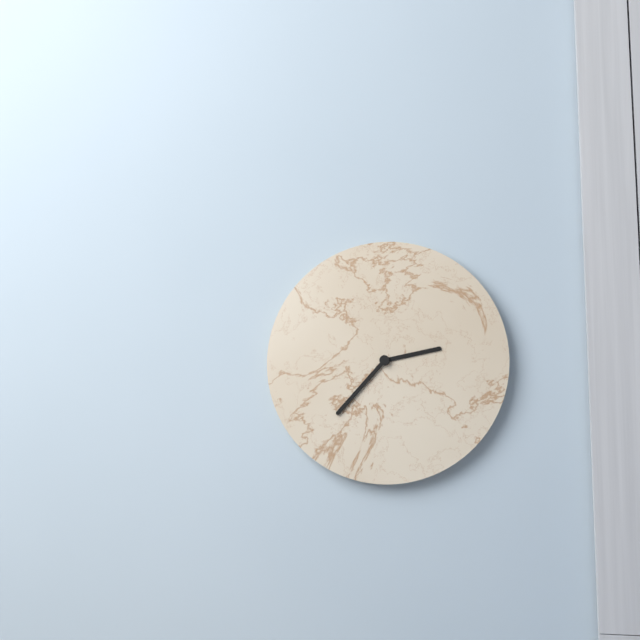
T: 2 h 37 min
